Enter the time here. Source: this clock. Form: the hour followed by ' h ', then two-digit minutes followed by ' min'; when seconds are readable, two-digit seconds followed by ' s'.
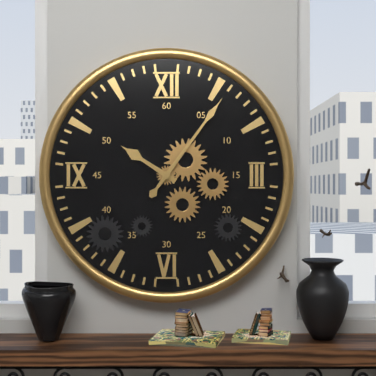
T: 10 h 06 min
